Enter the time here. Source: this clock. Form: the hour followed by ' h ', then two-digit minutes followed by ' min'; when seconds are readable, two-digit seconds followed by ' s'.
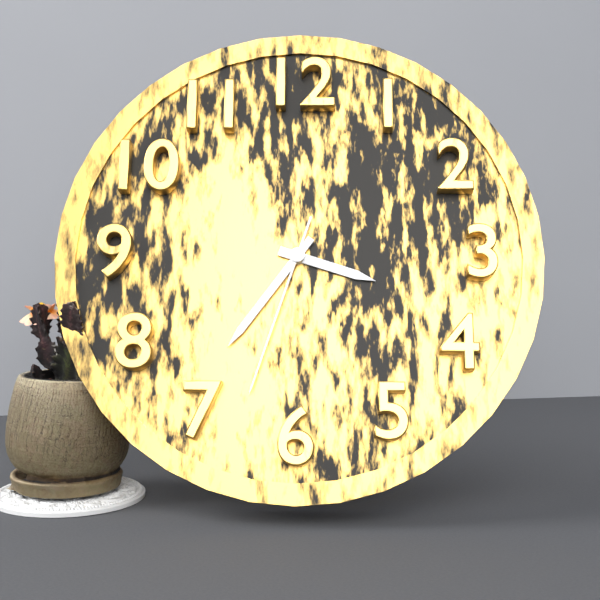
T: 3 h 36 min 33 s
